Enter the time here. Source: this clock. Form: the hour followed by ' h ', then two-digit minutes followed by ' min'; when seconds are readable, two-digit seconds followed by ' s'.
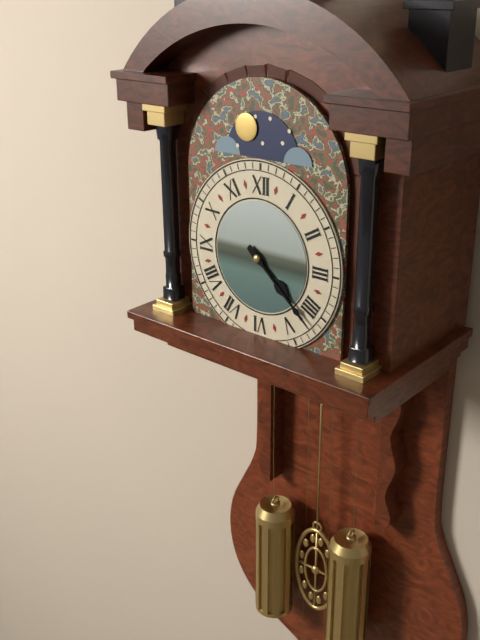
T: 4 h 22 min
